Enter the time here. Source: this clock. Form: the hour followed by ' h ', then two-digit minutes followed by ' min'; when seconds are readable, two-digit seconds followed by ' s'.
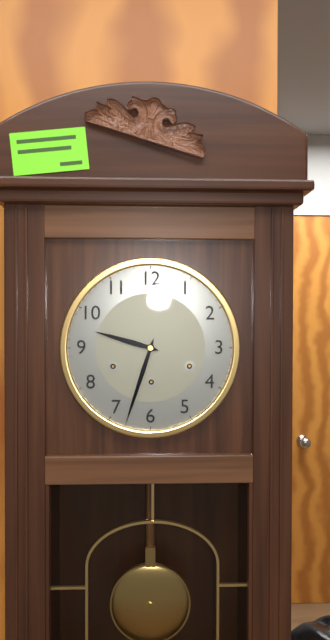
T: 9 h 33 min
